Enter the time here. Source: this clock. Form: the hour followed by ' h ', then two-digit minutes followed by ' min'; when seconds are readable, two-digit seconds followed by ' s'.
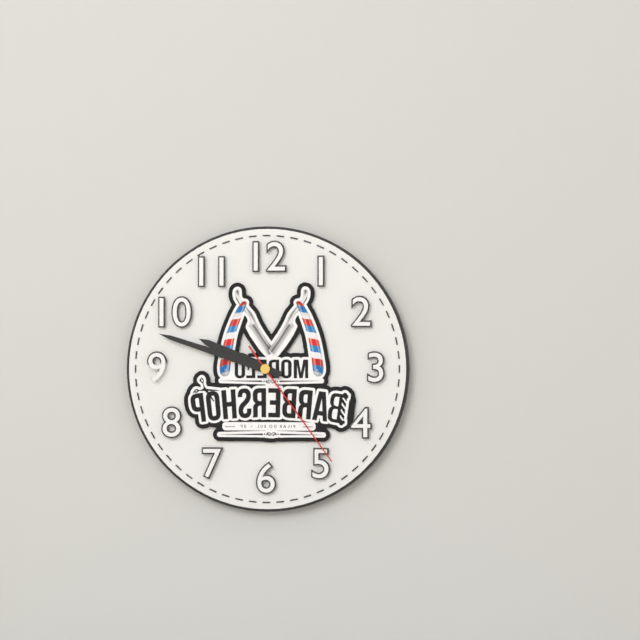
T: 9 h 48 min 24 s
